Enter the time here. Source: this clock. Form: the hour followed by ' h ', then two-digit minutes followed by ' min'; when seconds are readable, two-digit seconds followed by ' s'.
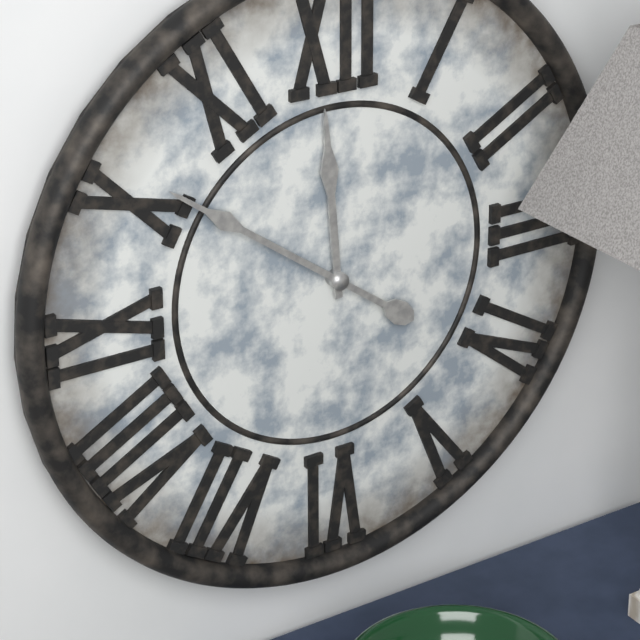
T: 11 h 51 min
